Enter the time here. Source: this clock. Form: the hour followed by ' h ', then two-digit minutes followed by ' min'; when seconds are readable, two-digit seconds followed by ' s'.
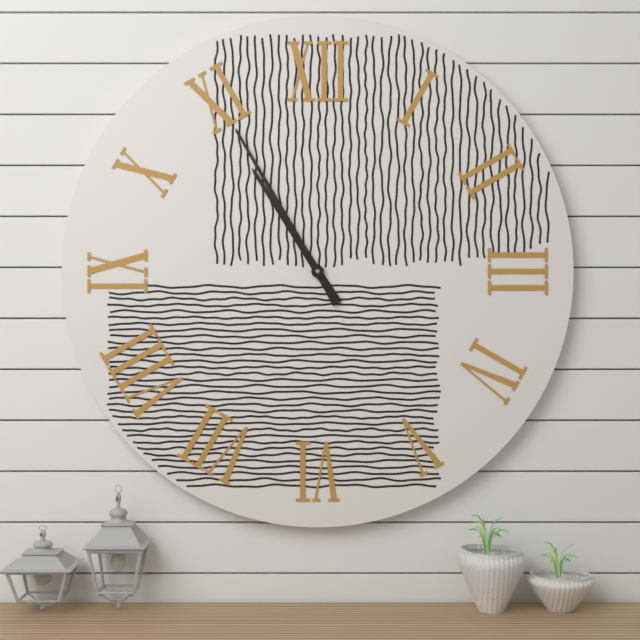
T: 10 h 55 min
